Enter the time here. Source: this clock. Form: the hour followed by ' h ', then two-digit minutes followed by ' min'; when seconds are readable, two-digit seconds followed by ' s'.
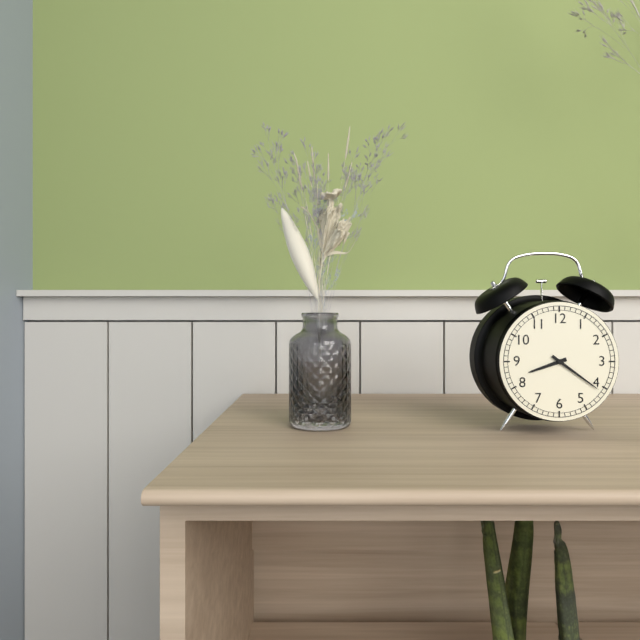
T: 8 h 21 min
